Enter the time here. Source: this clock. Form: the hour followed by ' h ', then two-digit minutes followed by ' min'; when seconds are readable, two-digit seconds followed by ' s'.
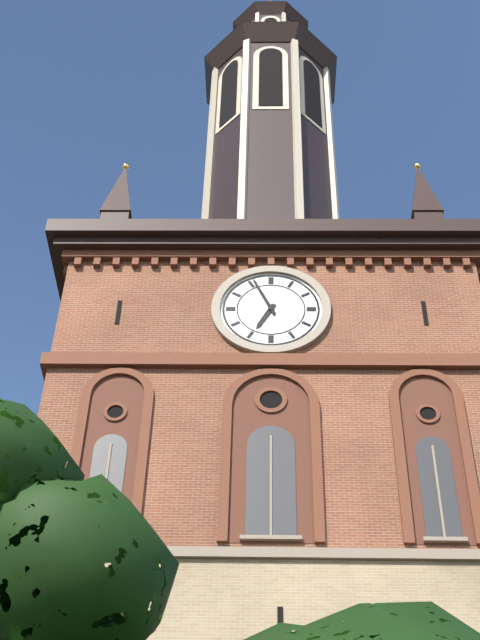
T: 6 h 56 min
